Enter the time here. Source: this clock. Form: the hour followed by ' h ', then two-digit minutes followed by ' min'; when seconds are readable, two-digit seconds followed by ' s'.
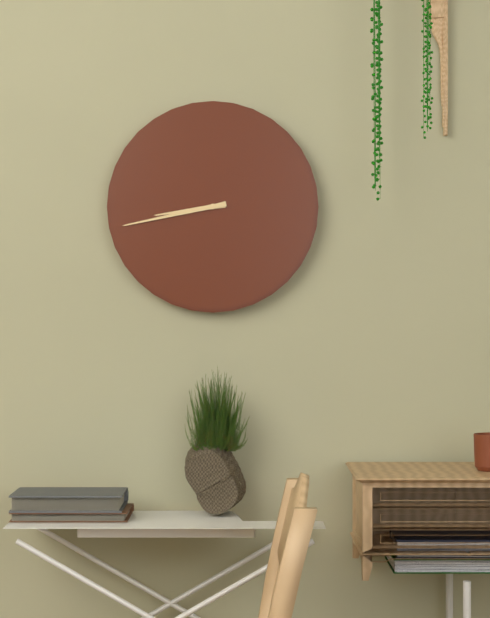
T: 8 h 43 min
